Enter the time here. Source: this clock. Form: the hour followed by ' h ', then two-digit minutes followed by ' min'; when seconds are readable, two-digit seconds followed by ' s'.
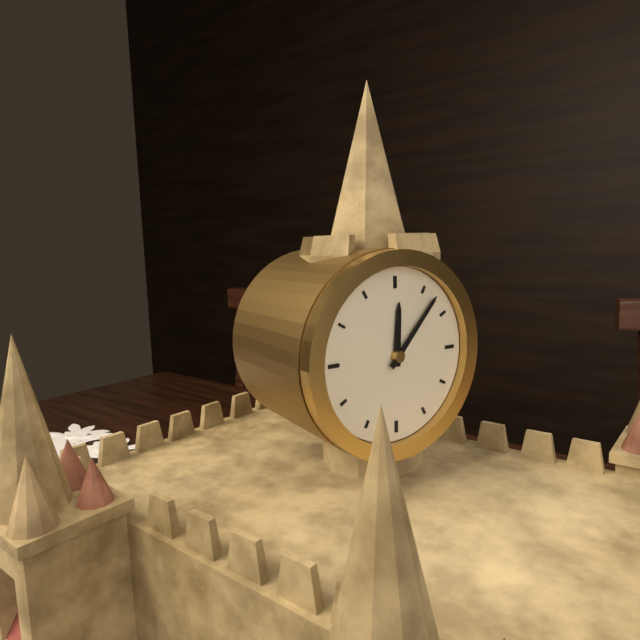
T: 12 h 07 min
